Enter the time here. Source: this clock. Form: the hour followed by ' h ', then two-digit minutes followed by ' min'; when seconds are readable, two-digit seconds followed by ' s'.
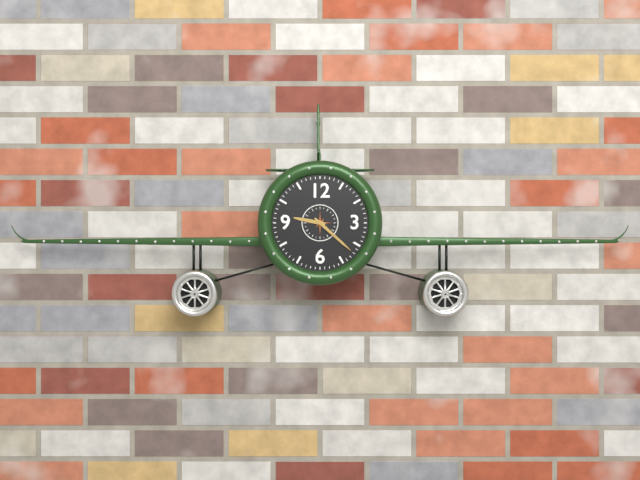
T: 9 h 22 min
